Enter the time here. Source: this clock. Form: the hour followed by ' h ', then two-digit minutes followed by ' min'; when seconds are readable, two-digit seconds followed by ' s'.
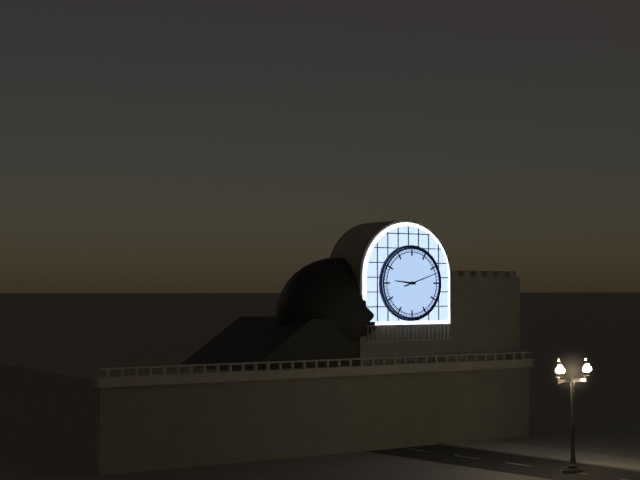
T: 9 h 12 min
